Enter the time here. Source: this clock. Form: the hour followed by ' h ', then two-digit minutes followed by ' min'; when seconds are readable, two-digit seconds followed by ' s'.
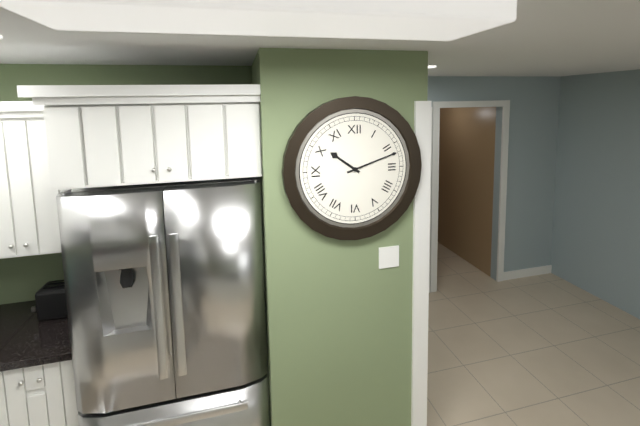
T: 10 h 12 min
